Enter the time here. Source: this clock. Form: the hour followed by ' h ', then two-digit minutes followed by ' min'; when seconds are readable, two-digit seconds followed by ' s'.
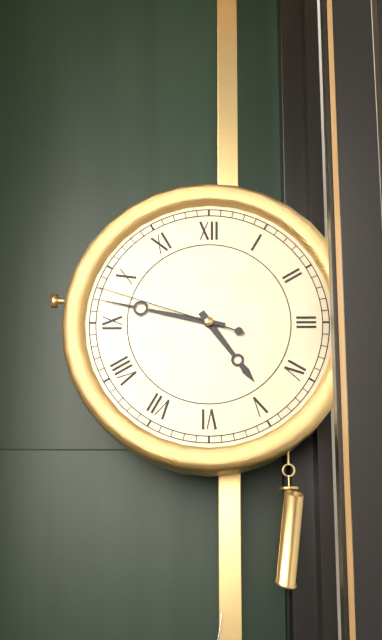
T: 4 h 47 min 48 s
